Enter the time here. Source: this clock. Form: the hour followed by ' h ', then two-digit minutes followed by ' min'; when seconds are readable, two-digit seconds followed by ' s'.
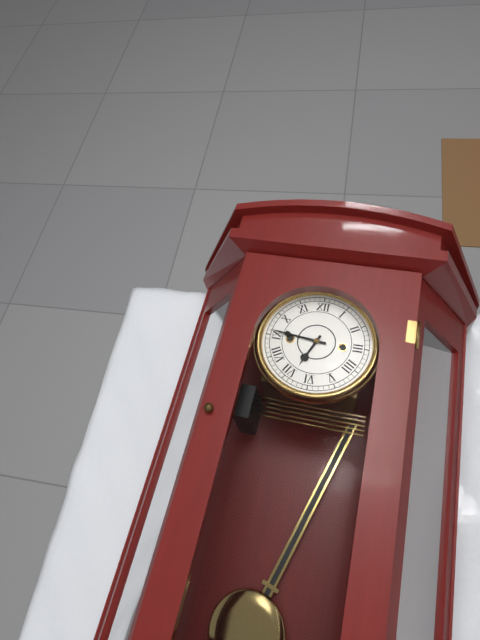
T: 6 h 46 min
